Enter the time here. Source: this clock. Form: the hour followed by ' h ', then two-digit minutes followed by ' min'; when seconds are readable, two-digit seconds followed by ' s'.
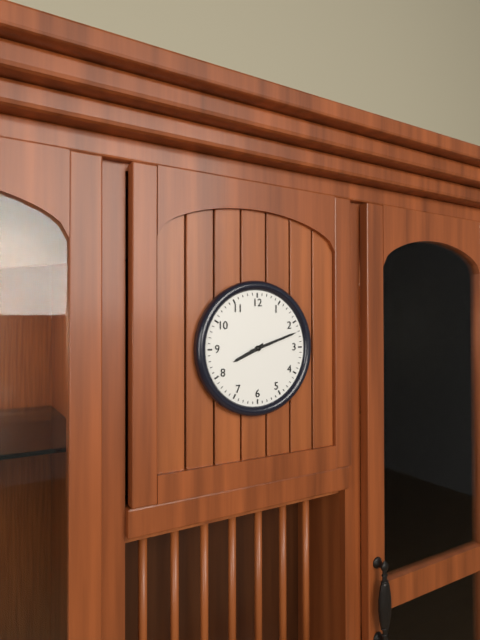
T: 8 h 12 min
